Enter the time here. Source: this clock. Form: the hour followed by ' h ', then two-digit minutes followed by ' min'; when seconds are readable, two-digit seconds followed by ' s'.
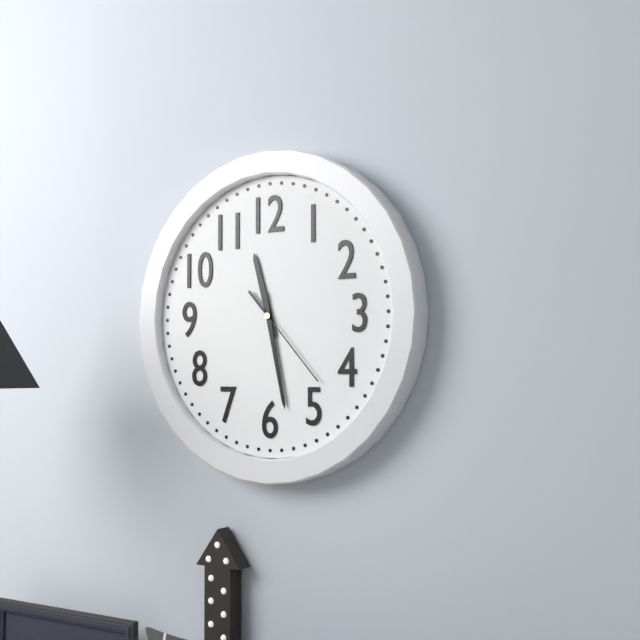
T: 11 h 28 min 23 s
